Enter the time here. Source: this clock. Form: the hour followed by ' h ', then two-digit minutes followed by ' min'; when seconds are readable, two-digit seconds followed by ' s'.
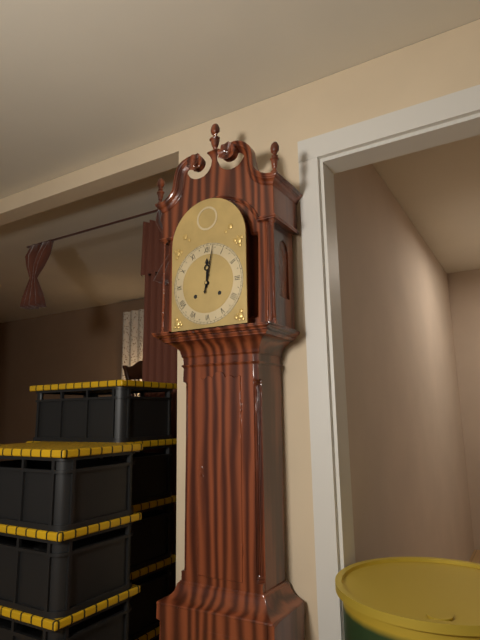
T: 12 h 02 min
